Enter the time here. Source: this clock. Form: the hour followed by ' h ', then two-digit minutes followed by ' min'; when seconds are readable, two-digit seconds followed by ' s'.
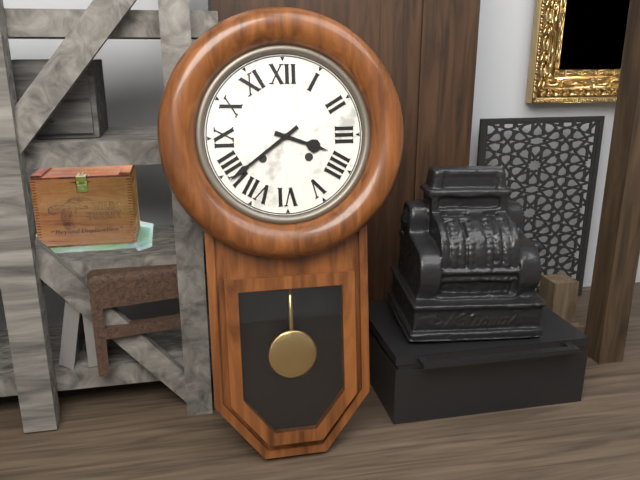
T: 3 h 39 min
